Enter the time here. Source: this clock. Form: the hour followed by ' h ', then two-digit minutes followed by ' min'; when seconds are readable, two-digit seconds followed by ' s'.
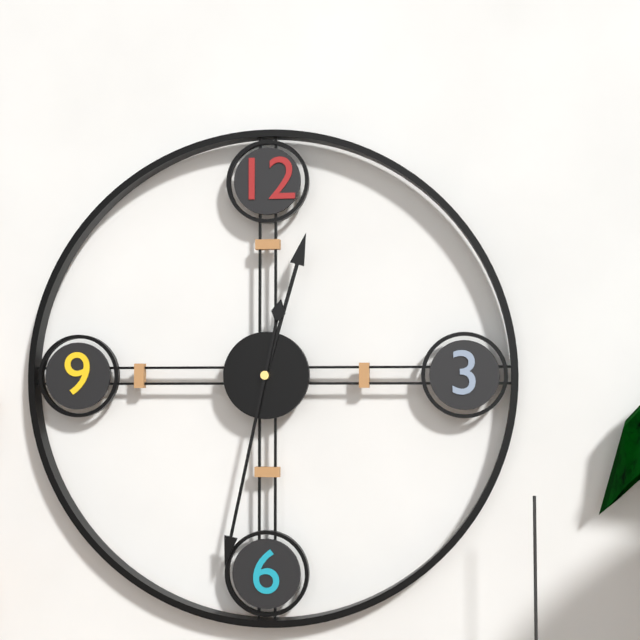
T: 12 h 32 min
